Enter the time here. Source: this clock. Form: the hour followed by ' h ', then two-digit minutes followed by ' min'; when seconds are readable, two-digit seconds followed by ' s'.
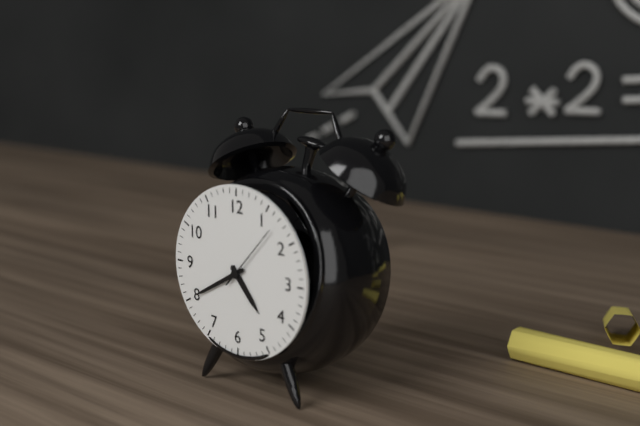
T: 4 h 40 min
